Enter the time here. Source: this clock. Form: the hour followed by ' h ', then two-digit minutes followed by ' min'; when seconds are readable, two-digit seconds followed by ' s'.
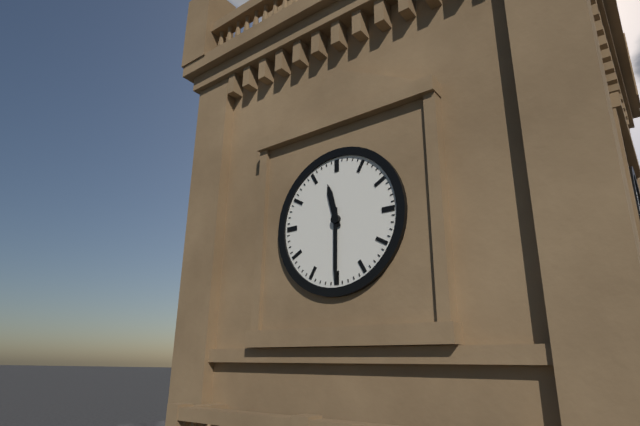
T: 11 h 30 min
